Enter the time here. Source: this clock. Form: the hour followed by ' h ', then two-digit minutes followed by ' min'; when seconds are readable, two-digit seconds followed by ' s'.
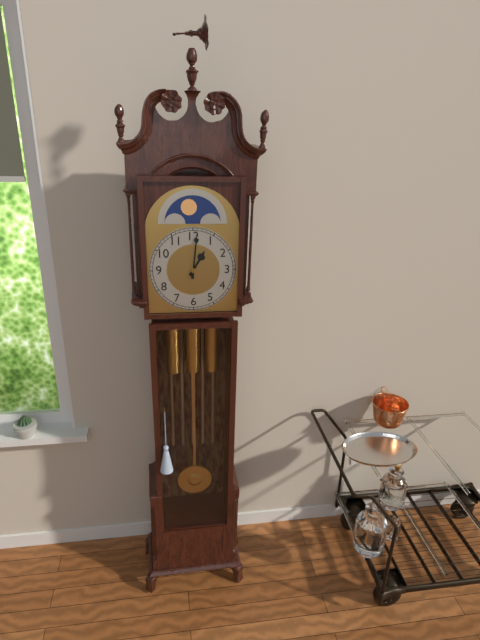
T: 1 h 01 min
